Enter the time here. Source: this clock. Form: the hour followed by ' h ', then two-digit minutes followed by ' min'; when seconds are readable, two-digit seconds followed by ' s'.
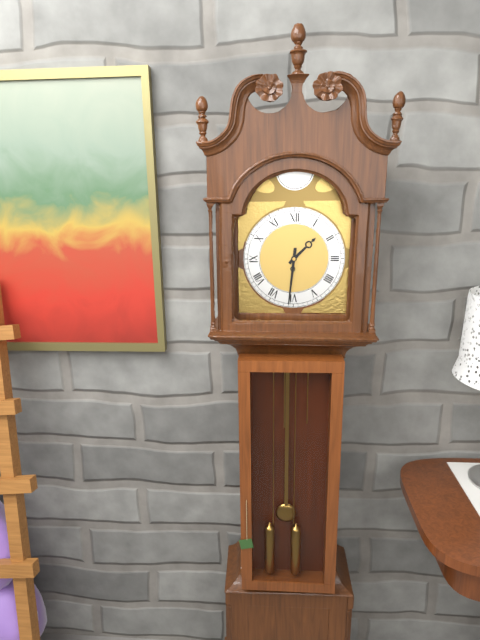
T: 1 h 31 min
